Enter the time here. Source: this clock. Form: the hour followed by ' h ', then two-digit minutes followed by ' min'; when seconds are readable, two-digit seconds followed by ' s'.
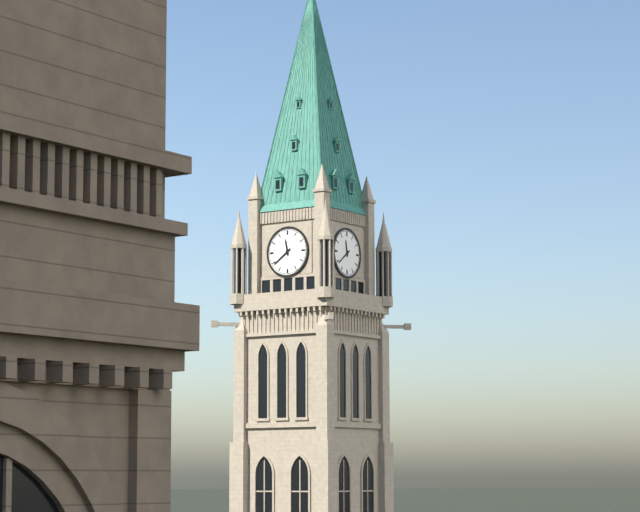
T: 11 h 39 min
